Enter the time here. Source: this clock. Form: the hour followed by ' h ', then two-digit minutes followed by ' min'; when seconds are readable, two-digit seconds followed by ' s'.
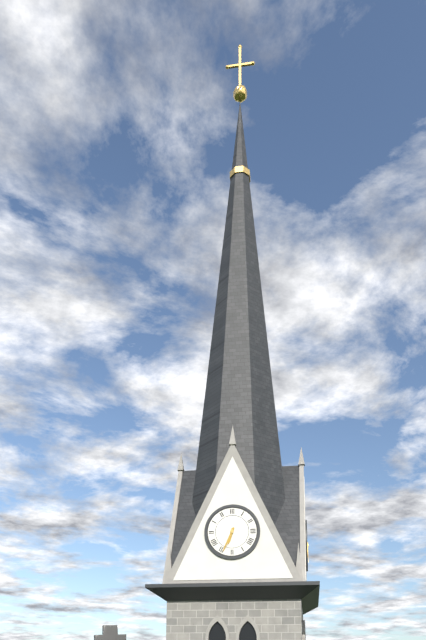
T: 6 h 34 min
